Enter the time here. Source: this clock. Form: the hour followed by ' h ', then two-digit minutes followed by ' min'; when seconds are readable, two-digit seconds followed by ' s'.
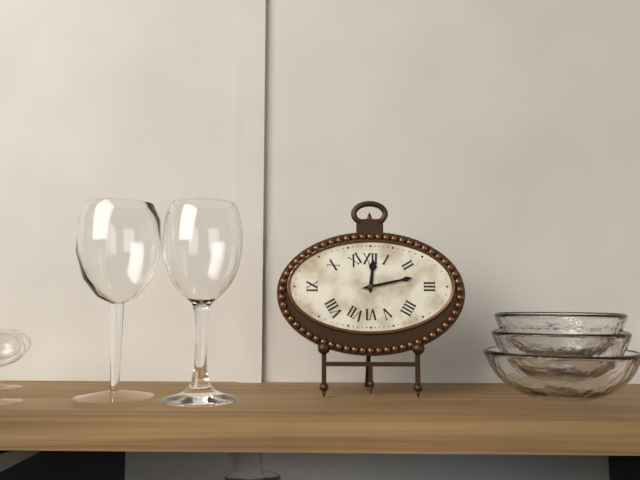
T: 12 h 13 min
